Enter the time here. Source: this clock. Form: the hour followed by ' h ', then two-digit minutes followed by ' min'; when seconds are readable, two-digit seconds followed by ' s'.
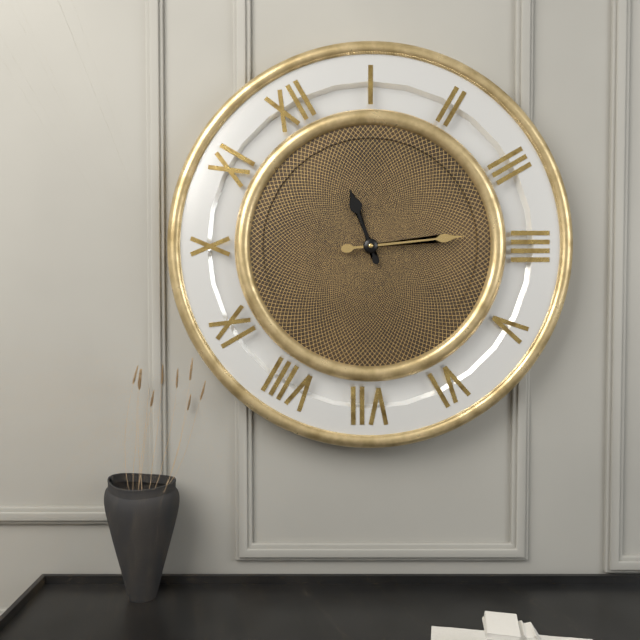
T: 12 h 19 min
